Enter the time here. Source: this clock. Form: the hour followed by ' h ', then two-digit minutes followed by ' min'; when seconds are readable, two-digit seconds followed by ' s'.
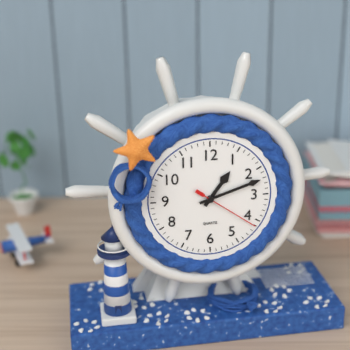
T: 1 h 12 min 21 s
